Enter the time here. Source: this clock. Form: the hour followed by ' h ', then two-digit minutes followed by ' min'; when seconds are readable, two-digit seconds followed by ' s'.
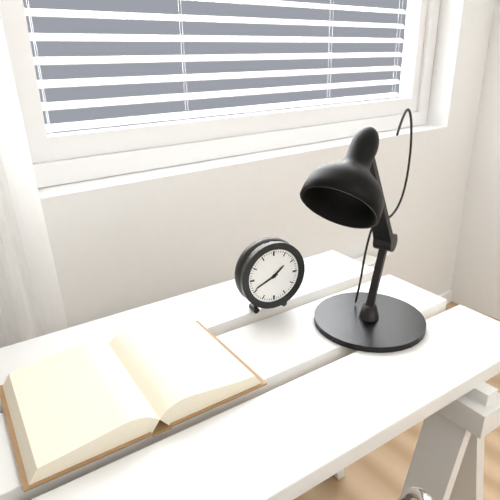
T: 1 h 41 min
